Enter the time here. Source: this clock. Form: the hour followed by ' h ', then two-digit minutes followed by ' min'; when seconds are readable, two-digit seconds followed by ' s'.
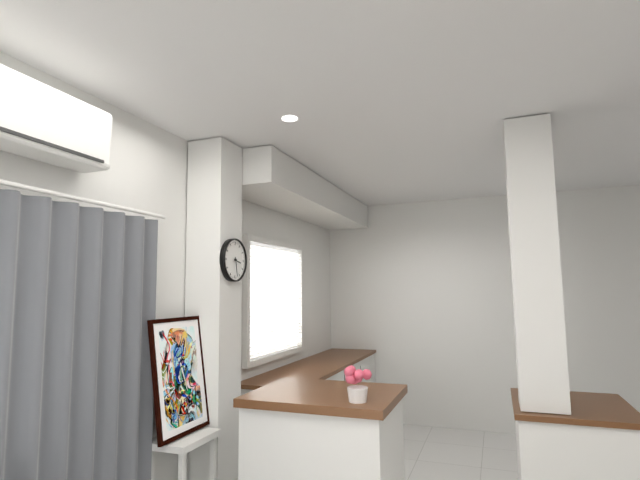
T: 3 h 28 min
